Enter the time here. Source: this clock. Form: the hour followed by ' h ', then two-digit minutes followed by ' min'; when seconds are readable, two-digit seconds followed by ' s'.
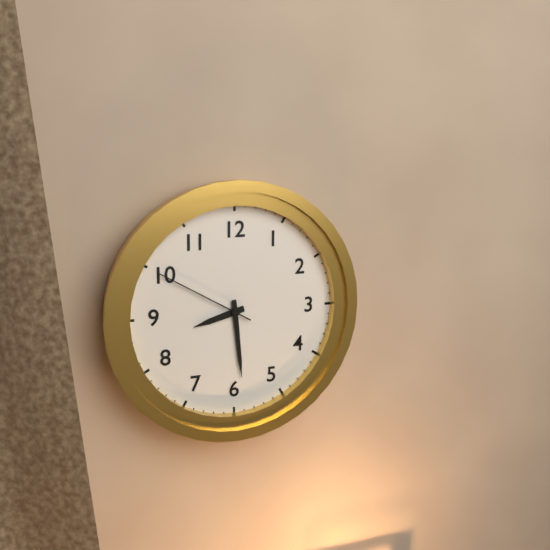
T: 8 h 29 min 50 s
